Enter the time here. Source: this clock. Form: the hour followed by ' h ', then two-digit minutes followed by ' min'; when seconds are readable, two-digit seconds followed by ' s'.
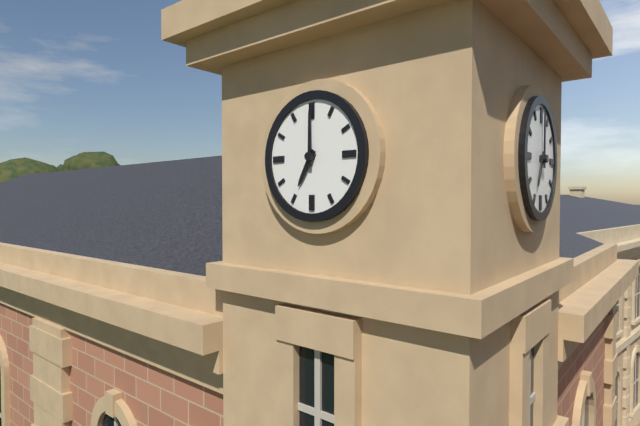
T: 7 h 00 min
